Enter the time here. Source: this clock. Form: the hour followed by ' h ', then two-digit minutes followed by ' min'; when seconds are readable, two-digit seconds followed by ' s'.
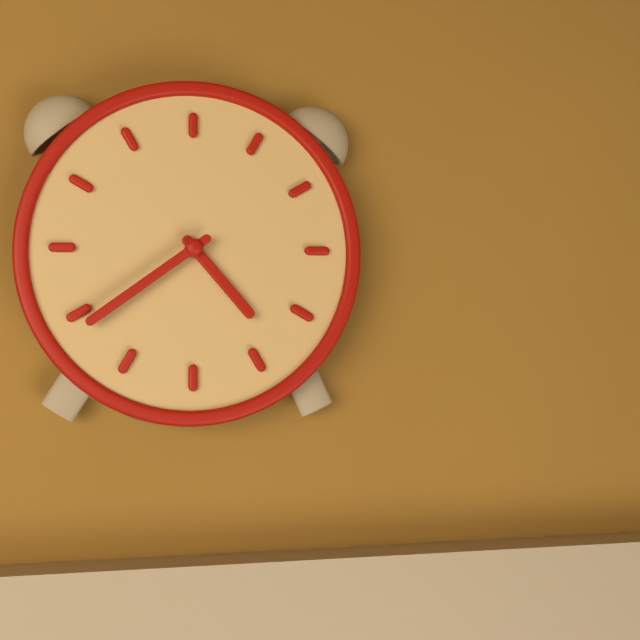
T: 4 h 39 min
